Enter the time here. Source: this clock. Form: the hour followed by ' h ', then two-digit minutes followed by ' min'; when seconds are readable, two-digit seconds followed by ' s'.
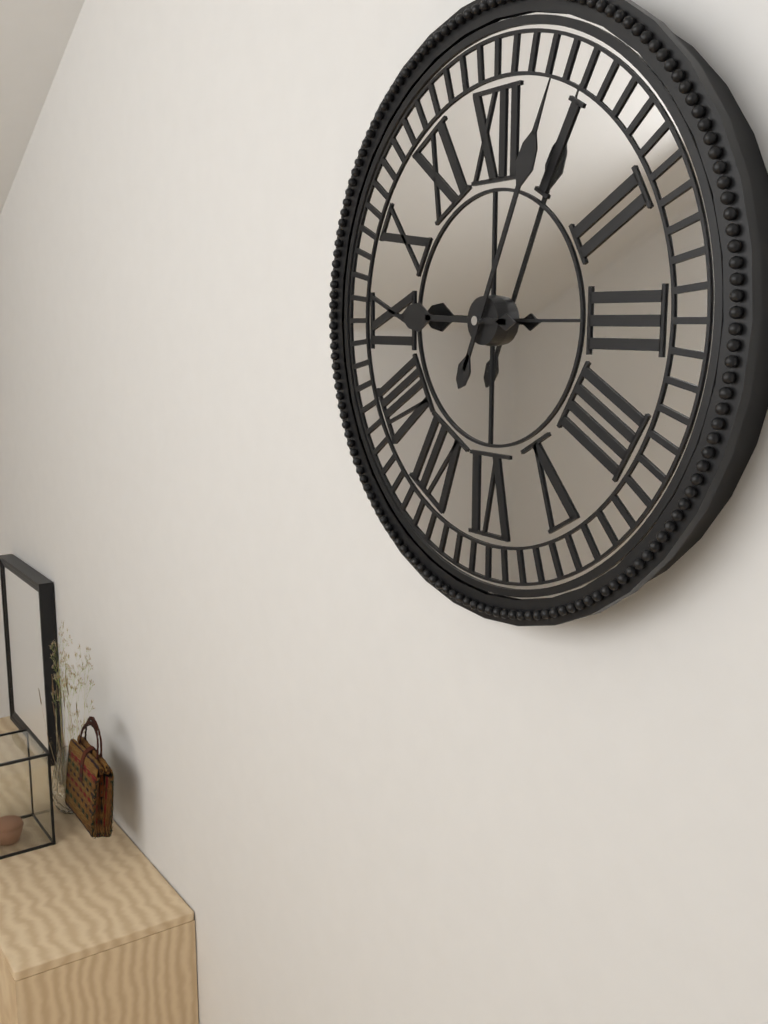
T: 9 h 04 min
